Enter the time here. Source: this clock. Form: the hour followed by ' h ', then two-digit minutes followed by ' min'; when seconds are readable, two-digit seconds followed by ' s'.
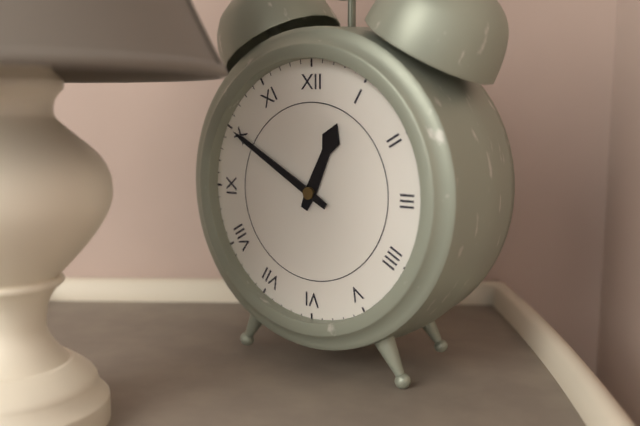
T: 12 h 50 min
